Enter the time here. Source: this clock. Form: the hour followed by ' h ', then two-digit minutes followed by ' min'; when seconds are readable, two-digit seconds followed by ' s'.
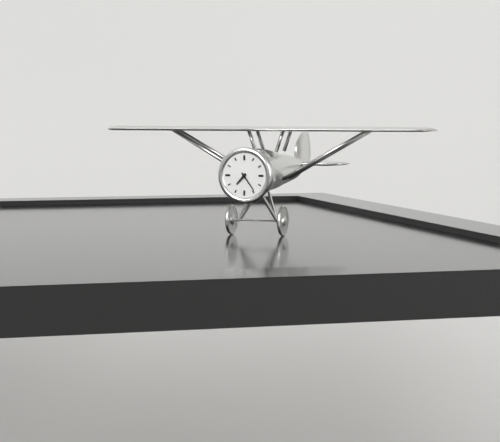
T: 7 h 24 min
